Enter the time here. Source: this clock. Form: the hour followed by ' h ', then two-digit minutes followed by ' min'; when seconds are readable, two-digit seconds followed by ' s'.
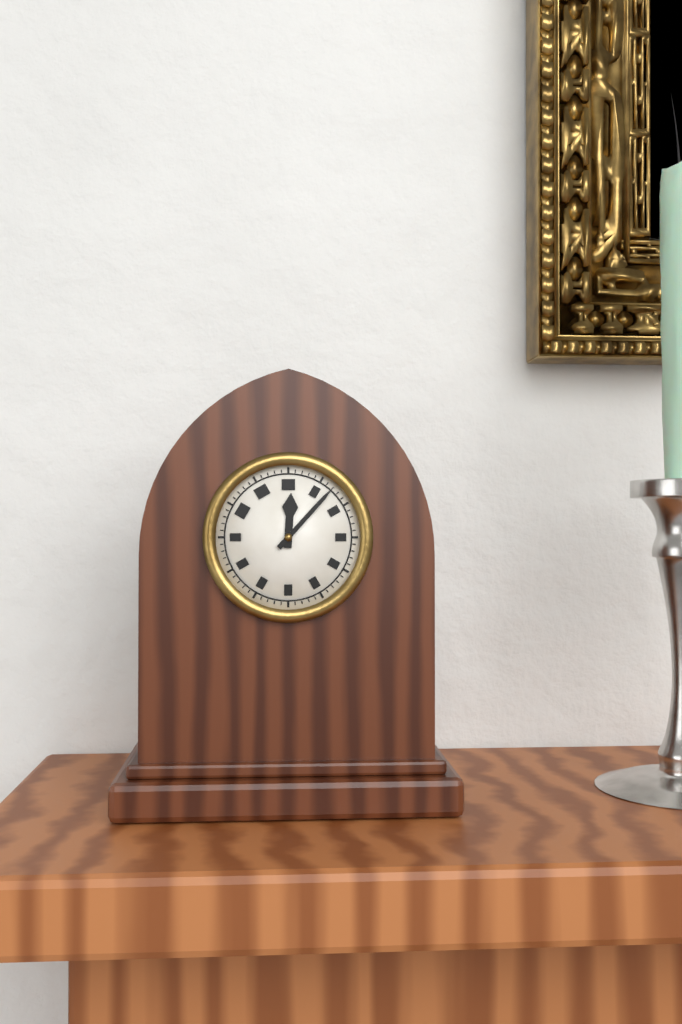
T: 12 h 07 min
